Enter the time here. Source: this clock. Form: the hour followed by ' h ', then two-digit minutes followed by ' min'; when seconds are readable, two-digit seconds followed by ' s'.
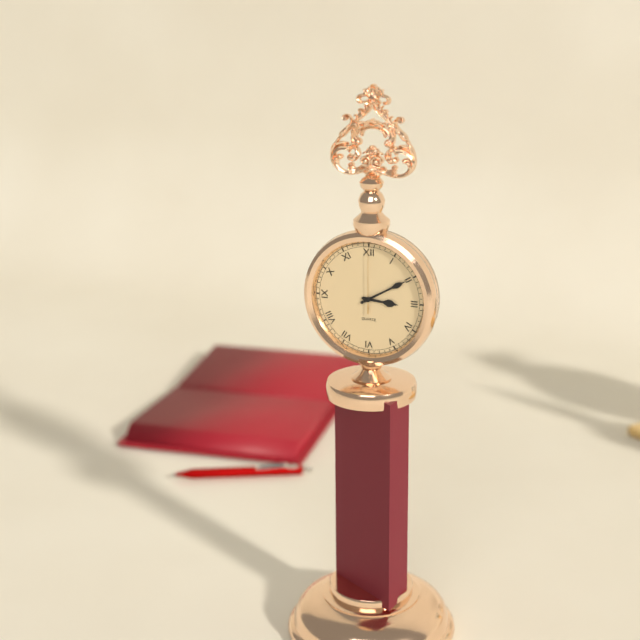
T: 3 h 10 min 00 s
